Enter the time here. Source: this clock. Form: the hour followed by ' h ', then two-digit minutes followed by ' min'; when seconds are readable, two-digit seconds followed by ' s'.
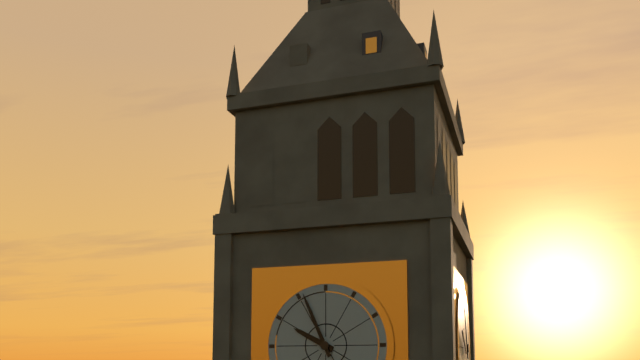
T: 9 h 56 min
